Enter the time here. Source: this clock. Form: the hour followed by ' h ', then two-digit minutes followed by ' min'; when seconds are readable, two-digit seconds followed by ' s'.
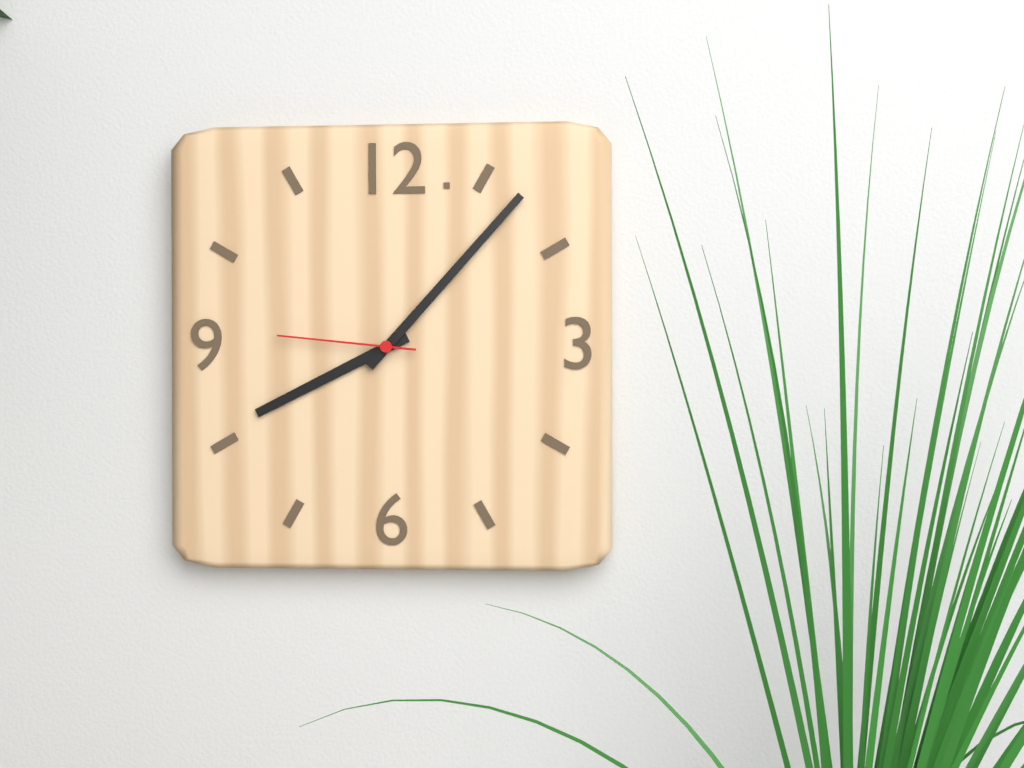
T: 8 h 07 min 46 s
